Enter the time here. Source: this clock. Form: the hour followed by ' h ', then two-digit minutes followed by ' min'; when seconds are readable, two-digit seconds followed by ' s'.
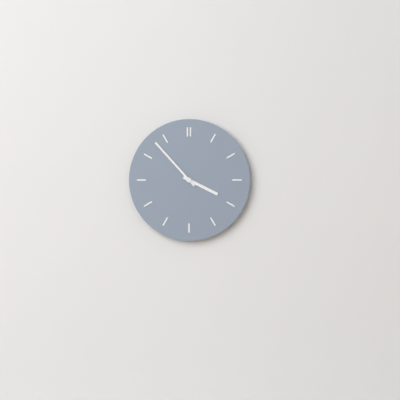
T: 3 h 53 min
